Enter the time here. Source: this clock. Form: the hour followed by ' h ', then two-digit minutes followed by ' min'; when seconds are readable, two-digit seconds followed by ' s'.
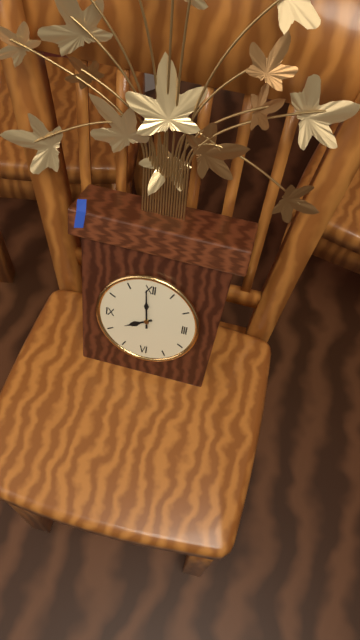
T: 7 h 59 min
